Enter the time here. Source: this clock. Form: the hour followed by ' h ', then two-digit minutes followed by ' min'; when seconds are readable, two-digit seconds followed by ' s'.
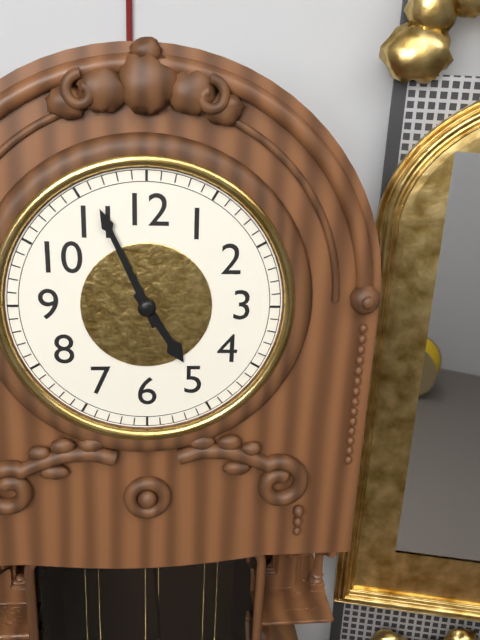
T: 4 h 56 min
